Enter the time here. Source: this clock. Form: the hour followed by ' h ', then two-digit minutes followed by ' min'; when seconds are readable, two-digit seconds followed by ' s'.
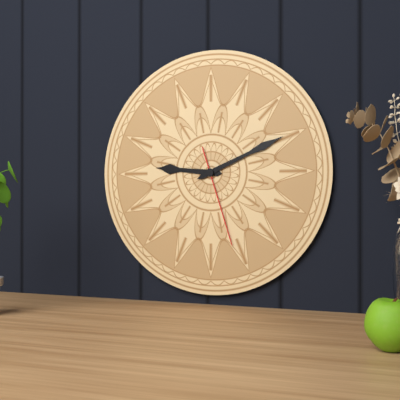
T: 9 h 11 min 27 s
